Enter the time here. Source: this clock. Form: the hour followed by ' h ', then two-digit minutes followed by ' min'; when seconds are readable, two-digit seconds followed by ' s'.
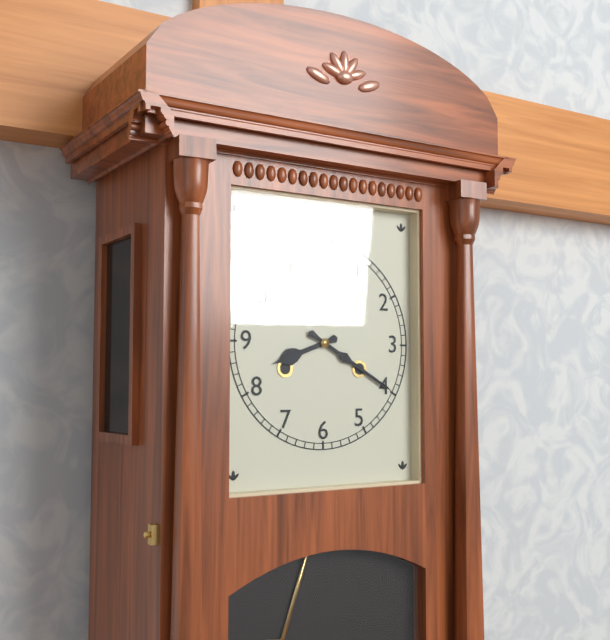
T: 8 h 20 min
